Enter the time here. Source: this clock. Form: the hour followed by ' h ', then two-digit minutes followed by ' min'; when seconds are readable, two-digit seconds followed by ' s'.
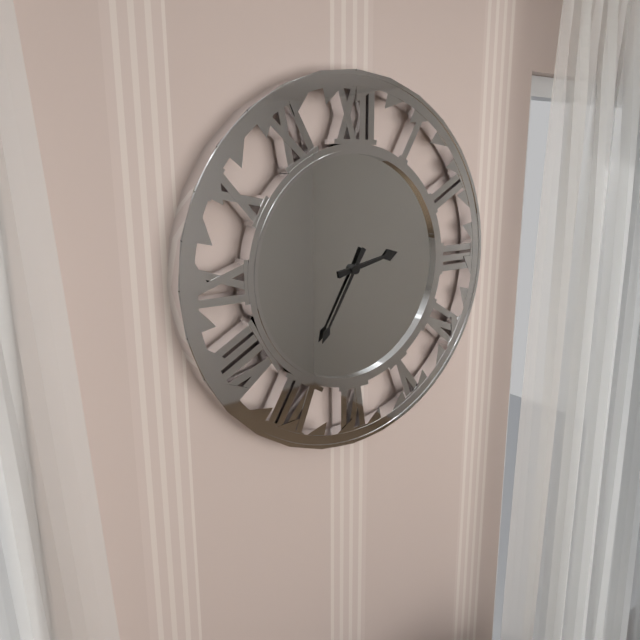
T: 2 h 35 min
